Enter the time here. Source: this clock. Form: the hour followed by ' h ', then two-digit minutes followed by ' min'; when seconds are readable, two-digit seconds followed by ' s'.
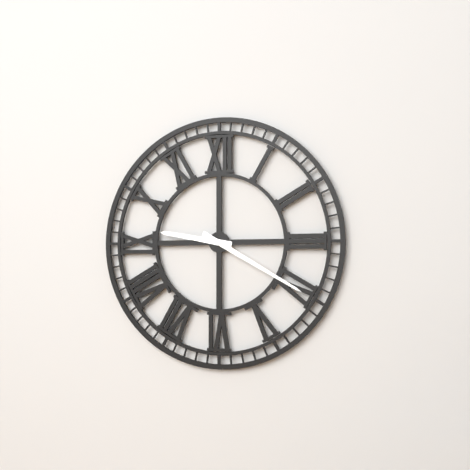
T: 9 h 20 min
